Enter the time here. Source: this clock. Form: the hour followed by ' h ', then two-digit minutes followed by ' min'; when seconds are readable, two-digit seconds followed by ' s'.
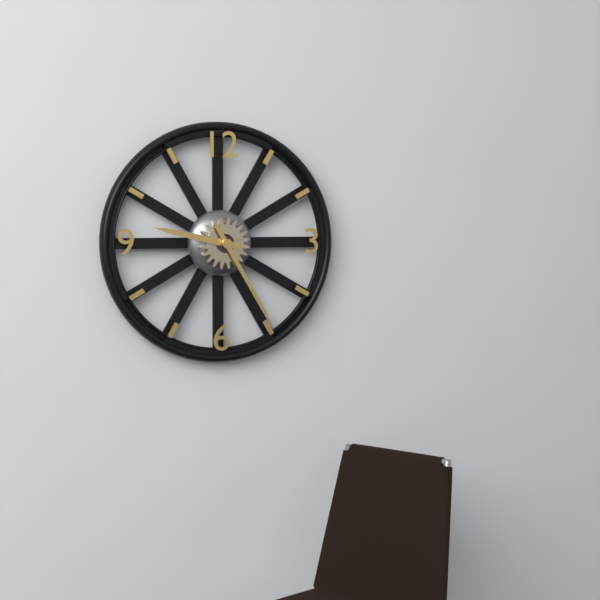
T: 9 h 25 min
